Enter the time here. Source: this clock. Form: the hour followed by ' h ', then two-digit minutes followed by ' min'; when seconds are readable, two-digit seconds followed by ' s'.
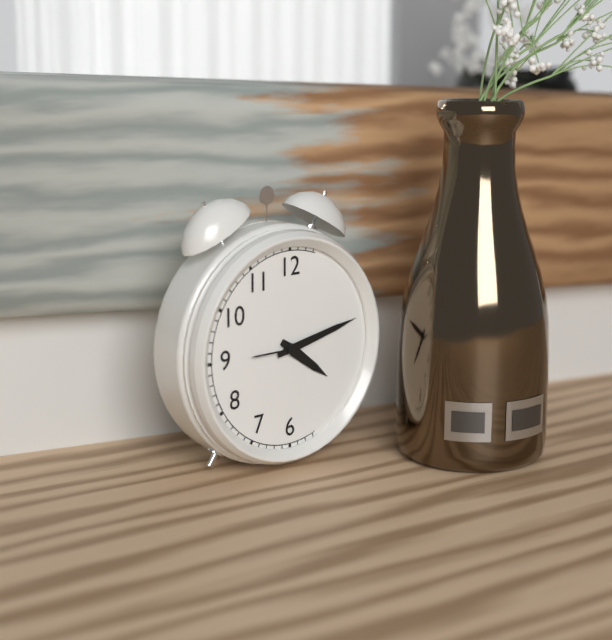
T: 4 h 13 min
